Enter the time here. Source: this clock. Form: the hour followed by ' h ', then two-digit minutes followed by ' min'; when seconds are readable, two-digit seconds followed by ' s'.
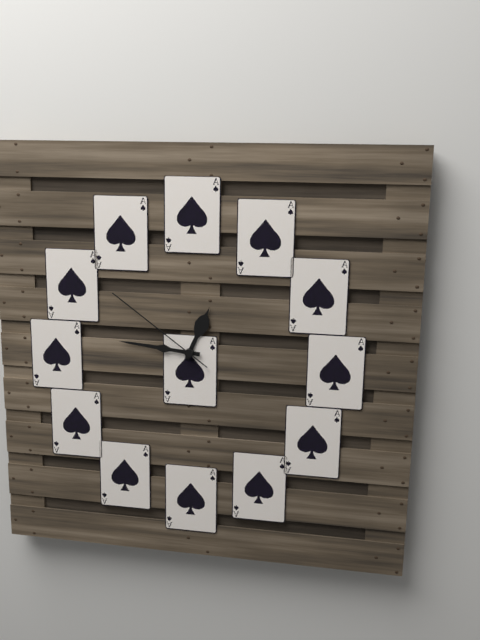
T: 12 h 46 min 51 s
